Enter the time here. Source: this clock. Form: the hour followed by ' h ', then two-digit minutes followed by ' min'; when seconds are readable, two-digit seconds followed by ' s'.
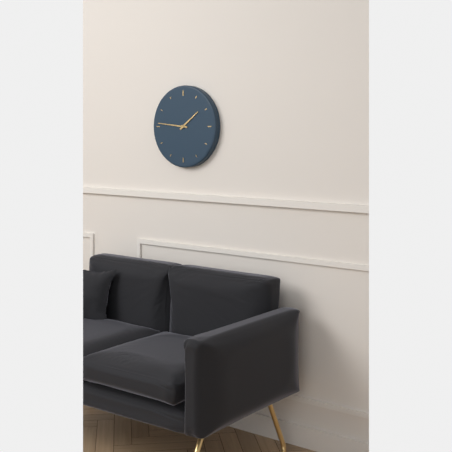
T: 1 h 46 min
